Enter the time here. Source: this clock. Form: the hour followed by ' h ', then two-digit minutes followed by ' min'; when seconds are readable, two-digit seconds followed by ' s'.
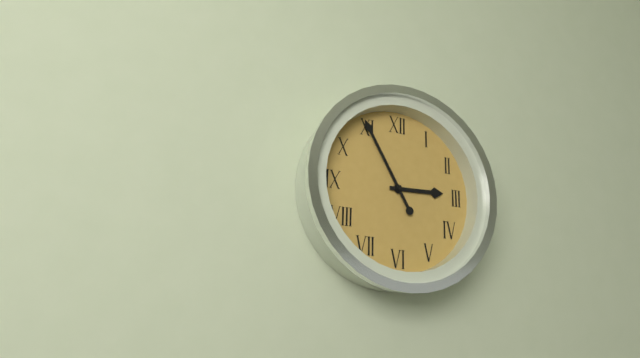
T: 2 h 55 min
